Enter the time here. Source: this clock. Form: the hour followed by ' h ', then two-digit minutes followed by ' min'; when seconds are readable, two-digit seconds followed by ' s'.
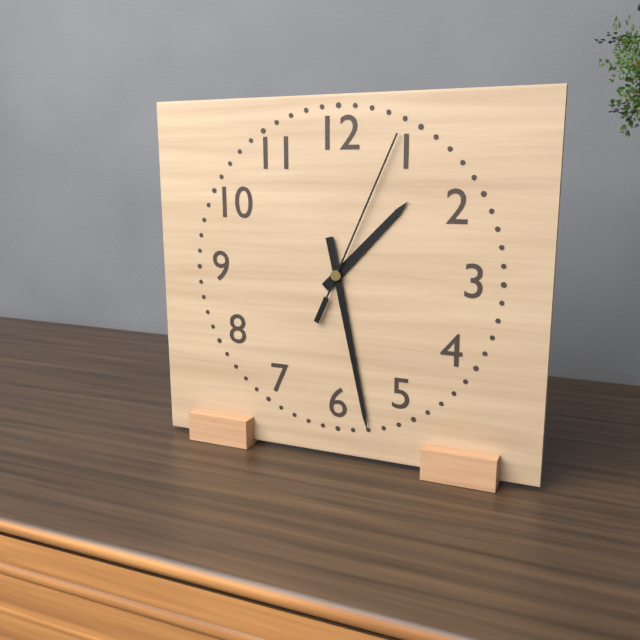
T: 1 h 28 min 04 s
